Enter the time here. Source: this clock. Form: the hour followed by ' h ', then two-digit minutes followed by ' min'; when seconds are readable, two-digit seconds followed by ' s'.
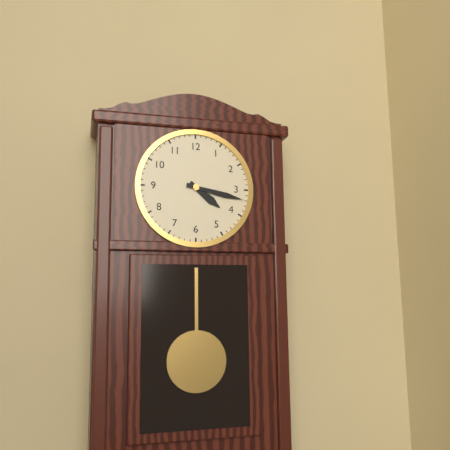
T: 4 h 17 min
